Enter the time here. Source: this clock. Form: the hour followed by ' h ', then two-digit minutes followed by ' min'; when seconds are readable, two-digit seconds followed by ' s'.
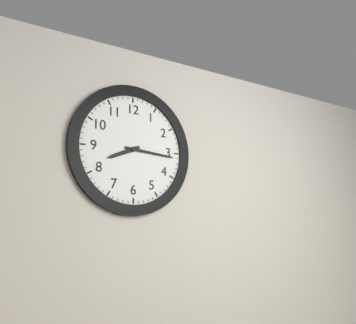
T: 8 h 16 min
